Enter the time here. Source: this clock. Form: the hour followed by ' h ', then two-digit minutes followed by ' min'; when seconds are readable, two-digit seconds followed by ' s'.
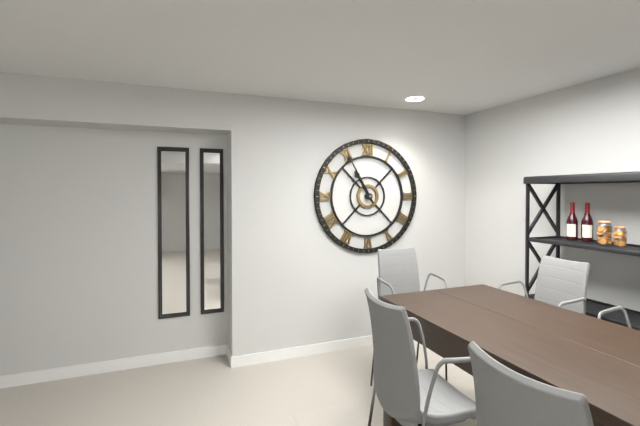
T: 10 h 55 min
